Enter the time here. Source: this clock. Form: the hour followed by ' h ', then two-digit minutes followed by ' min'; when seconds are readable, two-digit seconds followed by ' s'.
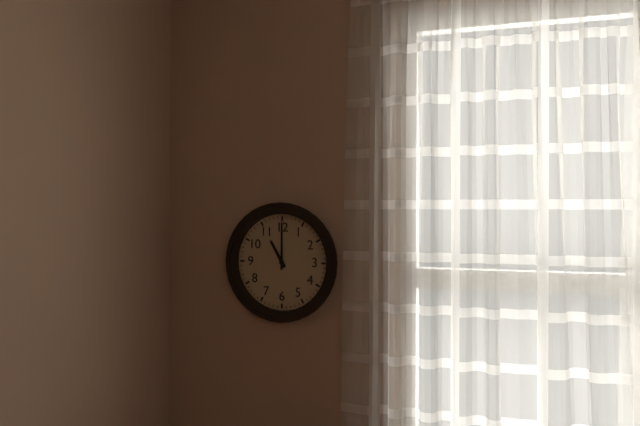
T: 11 h 00 min
